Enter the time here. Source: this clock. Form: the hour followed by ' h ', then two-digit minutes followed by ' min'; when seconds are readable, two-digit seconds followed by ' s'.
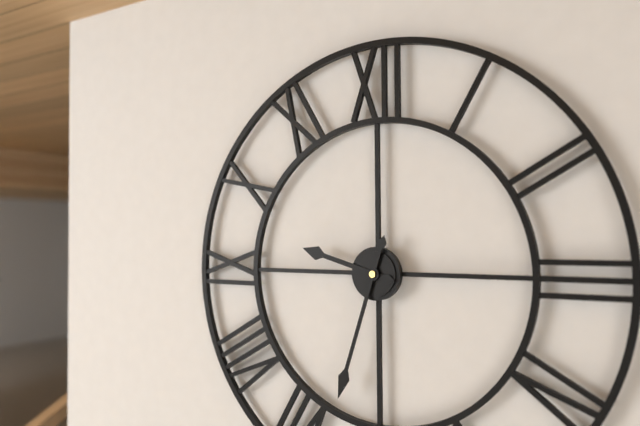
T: 9 h 33 min
